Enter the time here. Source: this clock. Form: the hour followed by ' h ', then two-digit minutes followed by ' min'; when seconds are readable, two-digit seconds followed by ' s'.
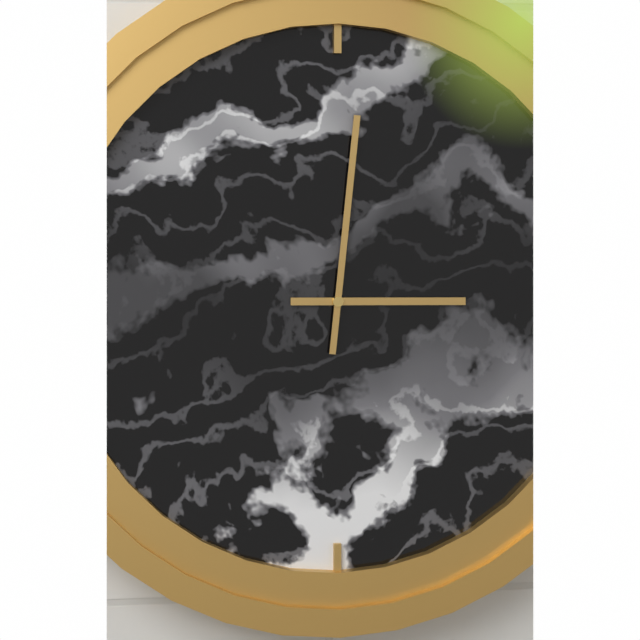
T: 3 h 01 min
